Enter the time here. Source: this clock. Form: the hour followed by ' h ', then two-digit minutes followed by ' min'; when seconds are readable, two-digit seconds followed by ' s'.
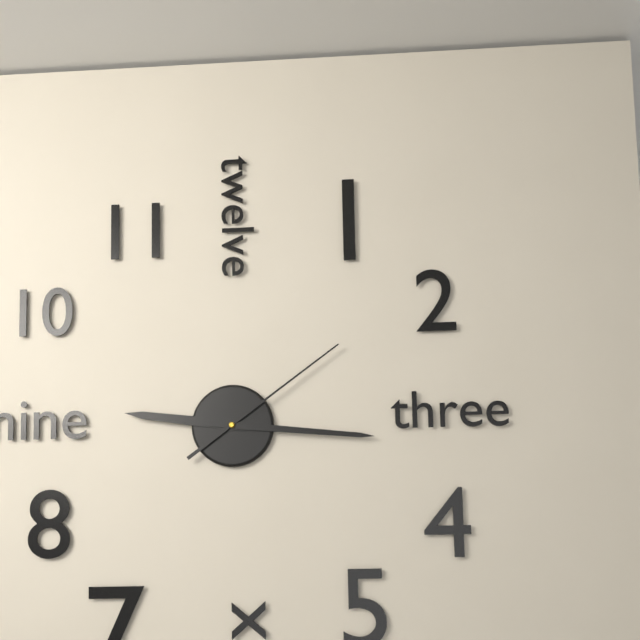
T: 9 h 16 min 09 s
